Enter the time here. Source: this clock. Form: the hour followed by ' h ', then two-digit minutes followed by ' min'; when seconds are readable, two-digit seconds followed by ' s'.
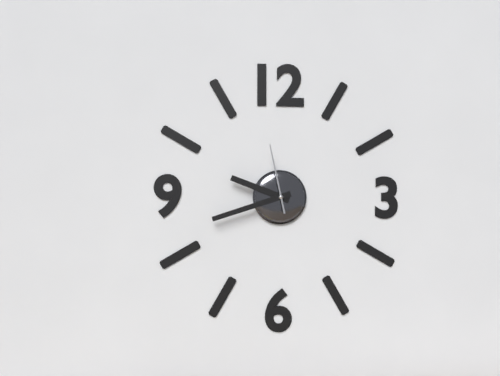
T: 9 h 42 min 58 s
